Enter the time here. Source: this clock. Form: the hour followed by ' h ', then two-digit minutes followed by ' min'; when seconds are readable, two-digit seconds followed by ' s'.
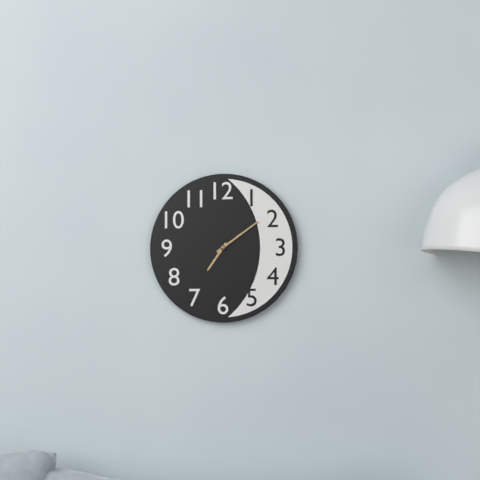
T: 7 h 09 min
